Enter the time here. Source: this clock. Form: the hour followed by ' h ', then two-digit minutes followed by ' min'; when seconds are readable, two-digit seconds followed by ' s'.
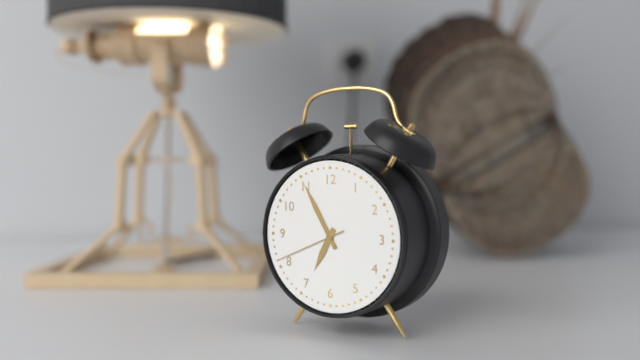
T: 6 h 55 min 41 s
